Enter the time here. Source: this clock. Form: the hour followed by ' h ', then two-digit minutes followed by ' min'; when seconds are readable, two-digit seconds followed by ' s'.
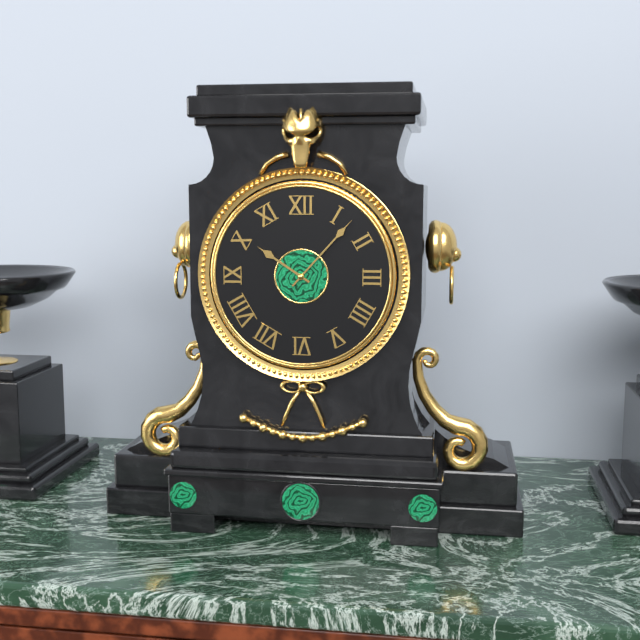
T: 10 h 07 min
